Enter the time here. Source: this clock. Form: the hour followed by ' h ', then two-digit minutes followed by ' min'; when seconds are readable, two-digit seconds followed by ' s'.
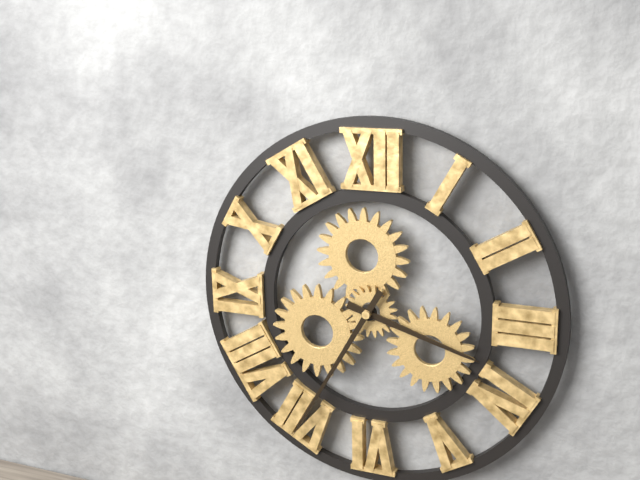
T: 3 h 35 min
